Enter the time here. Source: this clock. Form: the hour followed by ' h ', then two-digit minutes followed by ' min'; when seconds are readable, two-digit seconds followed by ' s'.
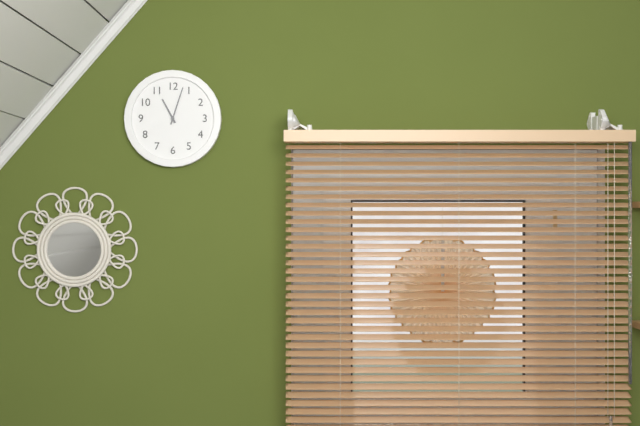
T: 11 h 03 min
